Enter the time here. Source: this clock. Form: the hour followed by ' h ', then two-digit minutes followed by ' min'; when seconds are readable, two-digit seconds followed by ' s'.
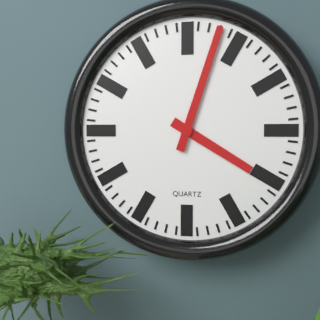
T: 4 h 03 min
